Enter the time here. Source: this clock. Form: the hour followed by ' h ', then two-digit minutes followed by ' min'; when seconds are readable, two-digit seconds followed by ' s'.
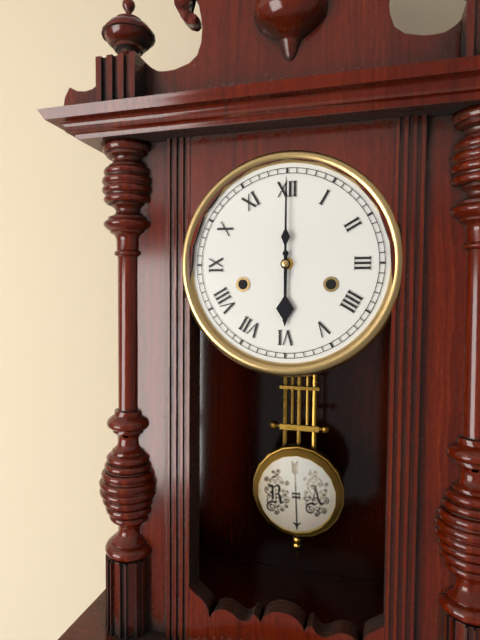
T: 6 h 00 min
